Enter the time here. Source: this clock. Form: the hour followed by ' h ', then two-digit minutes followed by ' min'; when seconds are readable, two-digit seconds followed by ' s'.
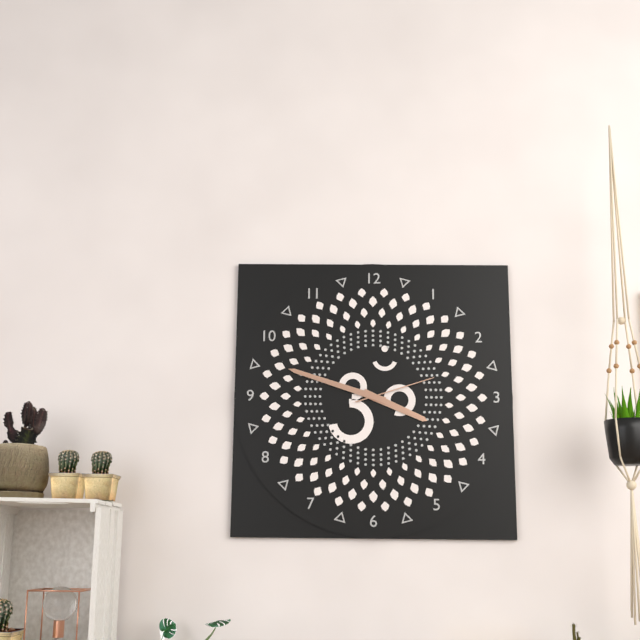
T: 3 h 48 min 12 s
